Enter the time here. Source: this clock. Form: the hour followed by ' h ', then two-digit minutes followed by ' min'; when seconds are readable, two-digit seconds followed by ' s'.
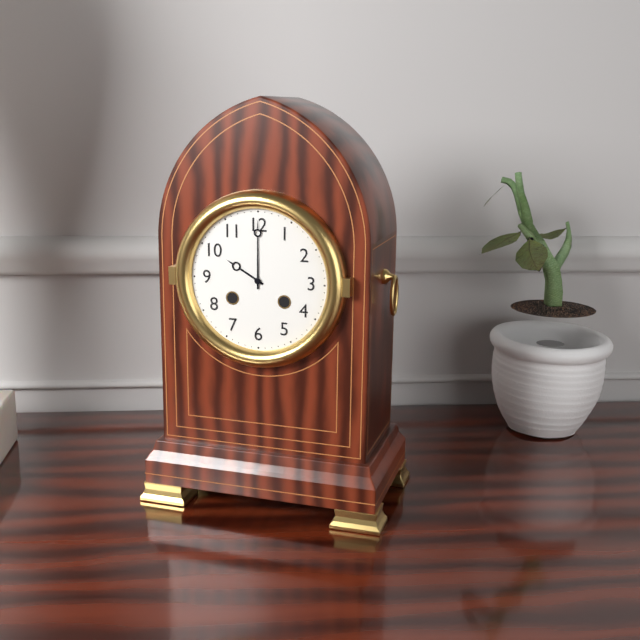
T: 10 h 00 min
